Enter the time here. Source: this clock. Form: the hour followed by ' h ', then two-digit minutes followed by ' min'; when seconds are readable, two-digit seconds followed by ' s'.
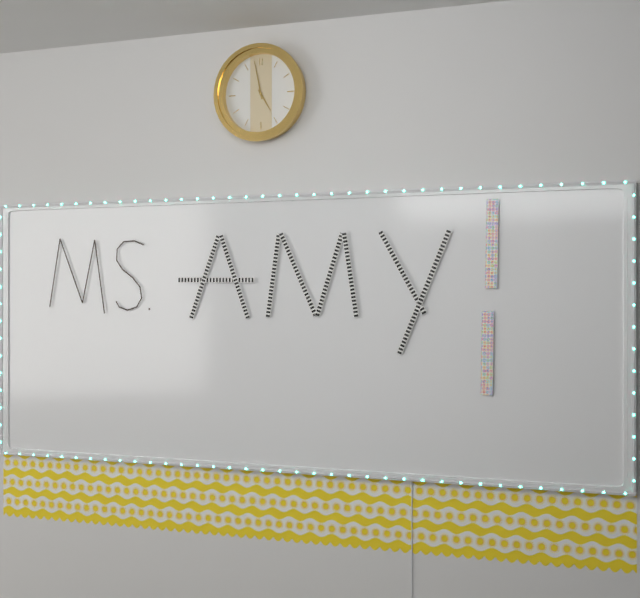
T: 4 h 58 min
